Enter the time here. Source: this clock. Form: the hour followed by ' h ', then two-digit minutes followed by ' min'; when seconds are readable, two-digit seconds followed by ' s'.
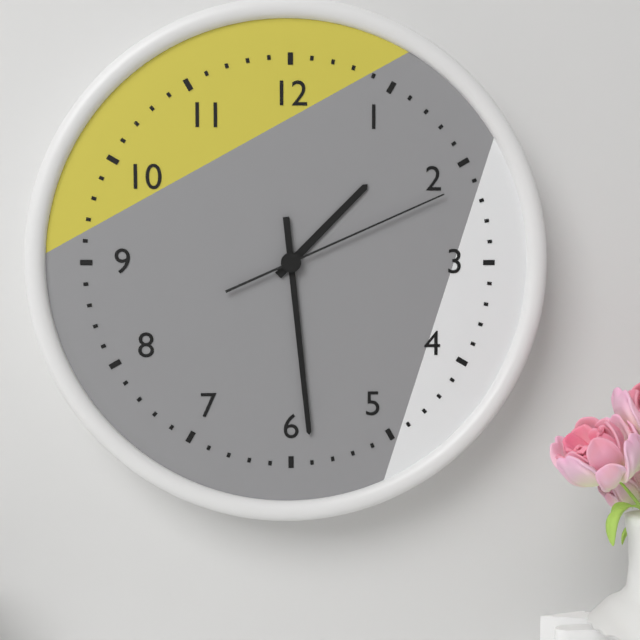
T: 1 h 29 min 11 s
